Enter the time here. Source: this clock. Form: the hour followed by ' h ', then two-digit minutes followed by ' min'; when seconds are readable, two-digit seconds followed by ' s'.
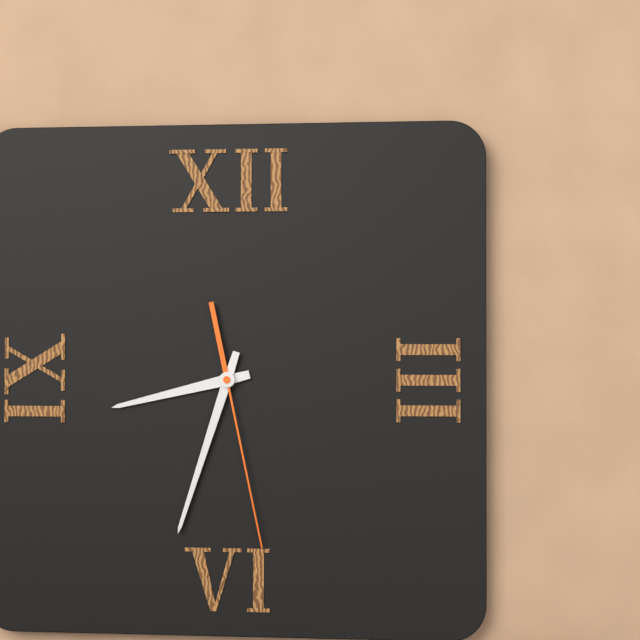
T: 8 h 33 min 28 s
